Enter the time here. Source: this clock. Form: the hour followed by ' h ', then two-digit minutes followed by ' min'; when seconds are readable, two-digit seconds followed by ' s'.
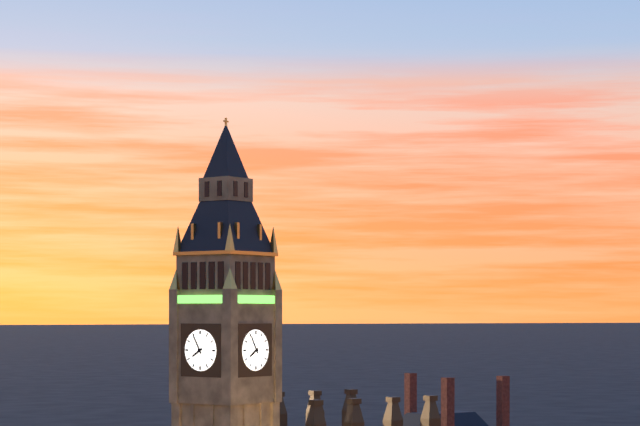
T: 7 h 55 min
